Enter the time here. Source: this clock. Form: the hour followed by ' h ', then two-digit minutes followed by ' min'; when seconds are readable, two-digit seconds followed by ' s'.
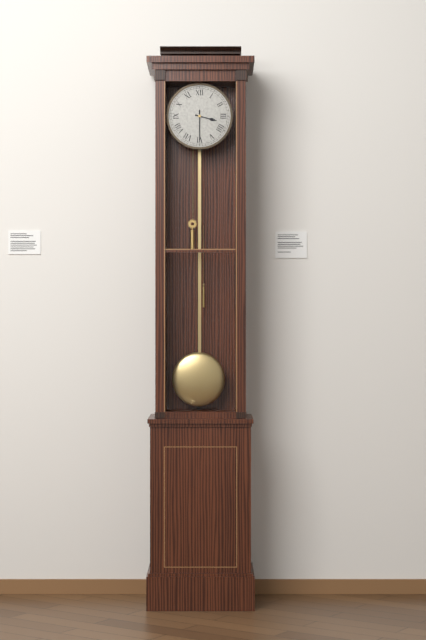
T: 3 h 30 min
